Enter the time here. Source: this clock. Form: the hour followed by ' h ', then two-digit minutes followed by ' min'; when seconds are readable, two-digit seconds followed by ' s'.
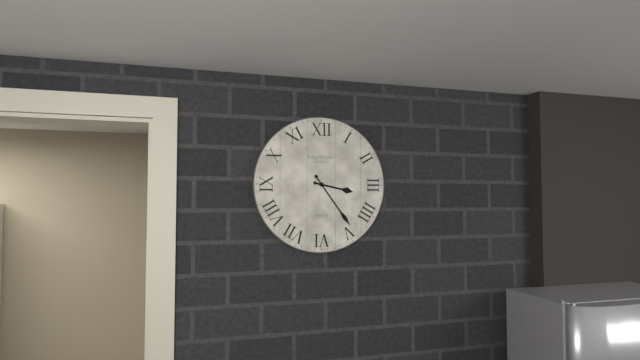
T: 3 h 24 min
